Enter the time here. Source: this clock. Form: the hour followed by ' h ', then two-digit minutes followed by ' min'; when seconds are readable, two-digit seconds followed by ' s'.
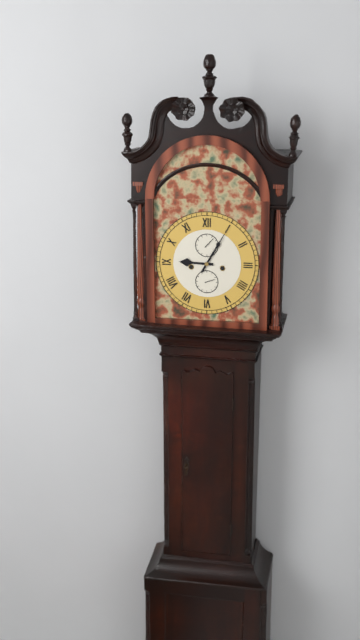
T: 9 h 05 min
